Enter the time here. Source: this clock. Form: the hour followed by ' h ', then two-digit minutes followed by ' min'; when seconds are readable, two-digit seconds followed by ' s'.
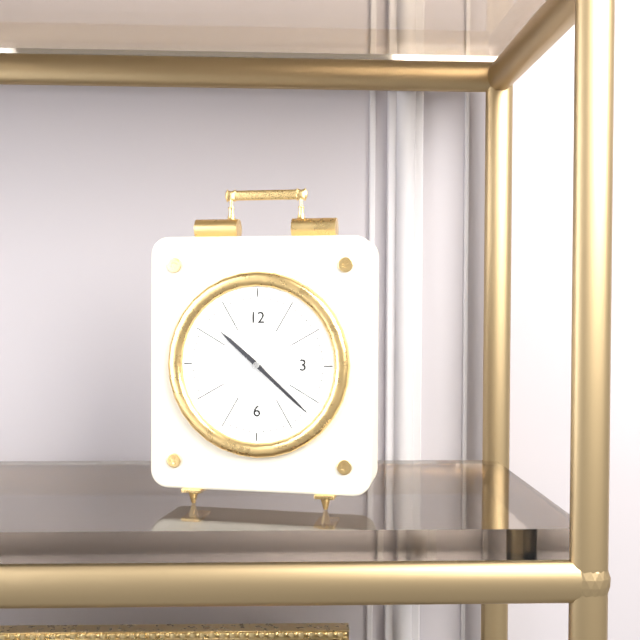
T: 10 h 22 min
